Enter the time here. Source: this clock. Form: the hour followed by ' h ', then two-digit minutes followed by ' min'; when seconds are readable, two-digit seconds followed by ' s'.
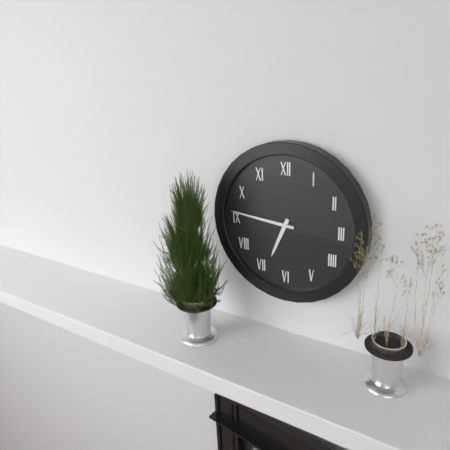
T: 6 h 46 min
